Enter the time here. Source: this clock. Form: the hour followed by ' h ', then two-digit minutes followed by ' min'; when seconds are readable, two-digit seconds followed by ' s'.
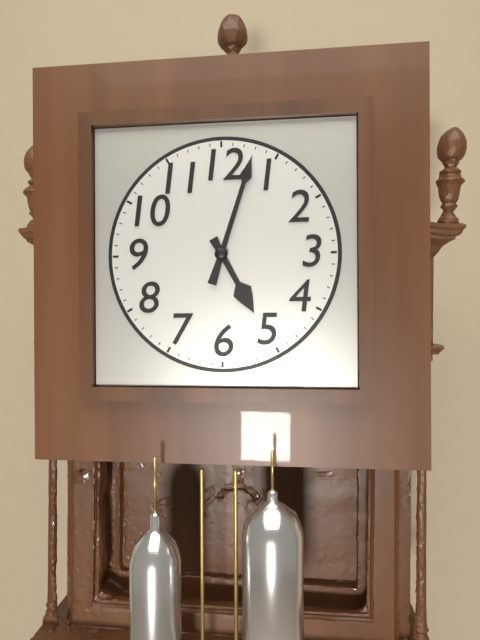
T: 5 h 03 min
